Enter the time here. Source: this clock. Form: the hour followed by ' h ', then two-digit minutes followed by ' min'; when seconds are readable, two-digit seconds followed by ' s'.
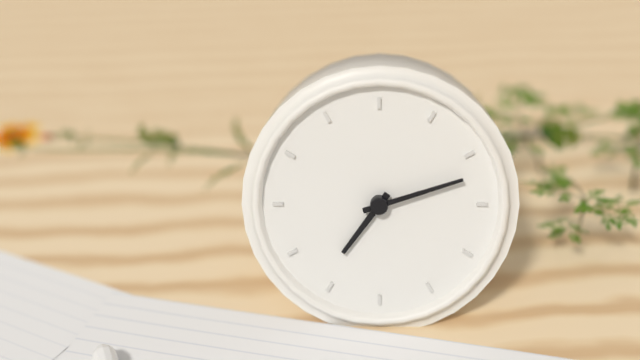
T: 7 h 12 min
